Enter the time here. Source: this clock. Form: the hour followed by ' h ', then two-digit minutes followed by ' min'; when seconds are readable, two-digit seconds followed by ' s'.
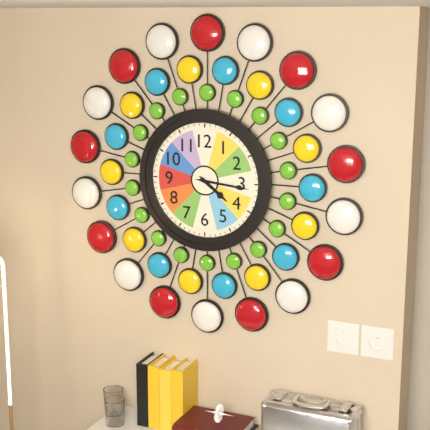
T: 4 h 16 min
